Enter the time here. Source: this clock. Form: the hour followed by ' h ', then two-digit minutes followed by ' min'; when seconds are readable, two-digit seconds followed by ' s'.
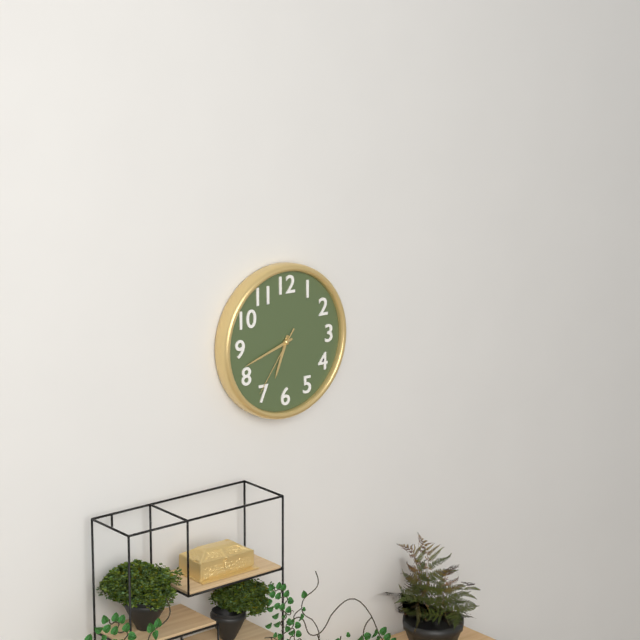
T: 6 h 42 min 36 s
